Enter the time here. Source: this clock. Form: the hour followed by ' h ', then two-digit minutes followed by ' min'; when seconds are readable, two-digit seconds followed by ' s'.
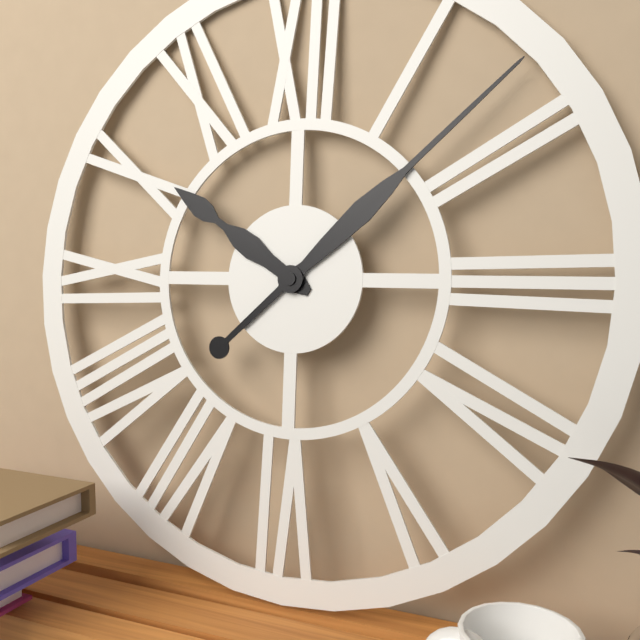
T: 10 h 08 min
